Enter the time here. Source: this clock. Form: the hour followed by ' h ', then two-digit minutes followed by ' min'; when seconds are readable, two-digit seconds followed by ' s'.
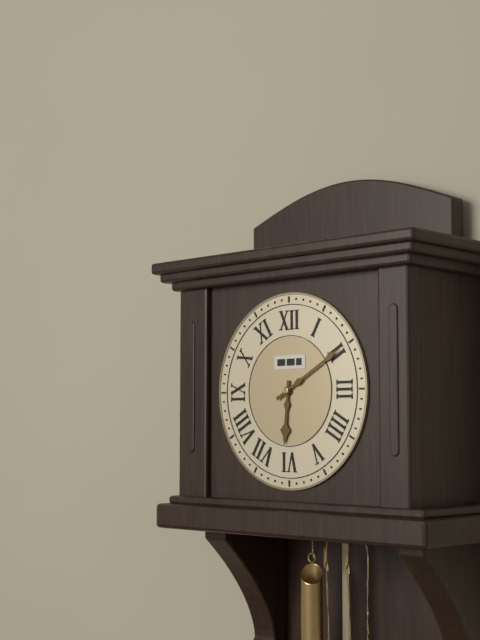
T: 6 h 10 min
